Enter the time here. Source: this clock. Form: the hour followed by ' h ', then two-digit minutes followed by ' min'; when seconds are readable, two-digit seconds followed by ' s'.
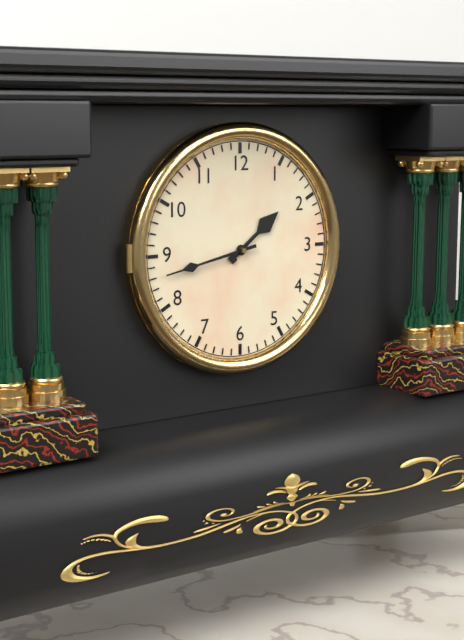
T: 1 h 43 min
